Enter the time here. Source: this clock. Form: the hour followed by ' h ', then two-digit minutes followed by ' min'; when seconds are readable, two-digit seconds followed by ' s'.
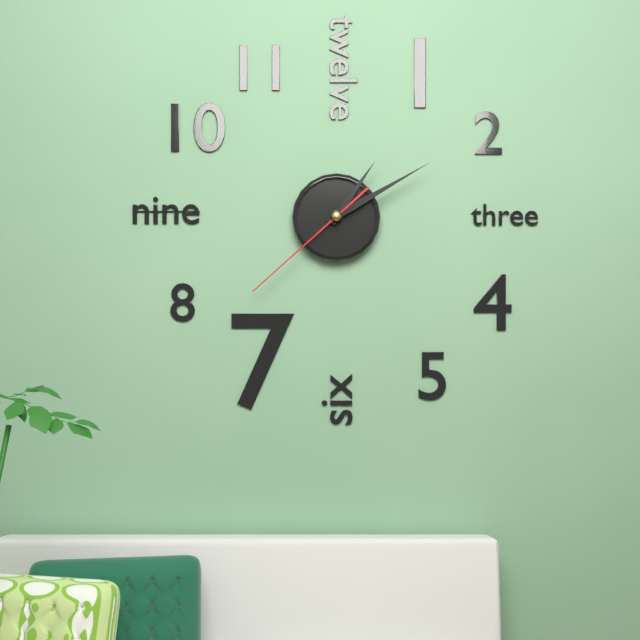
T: 1 h 10 min 38 s
